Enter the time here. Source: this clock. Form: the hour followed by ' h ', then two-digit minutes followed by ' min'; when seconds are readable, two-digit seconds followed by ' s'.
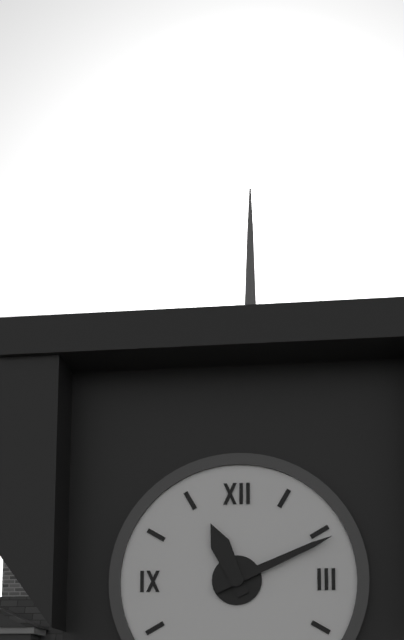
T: 11 h 11 min
